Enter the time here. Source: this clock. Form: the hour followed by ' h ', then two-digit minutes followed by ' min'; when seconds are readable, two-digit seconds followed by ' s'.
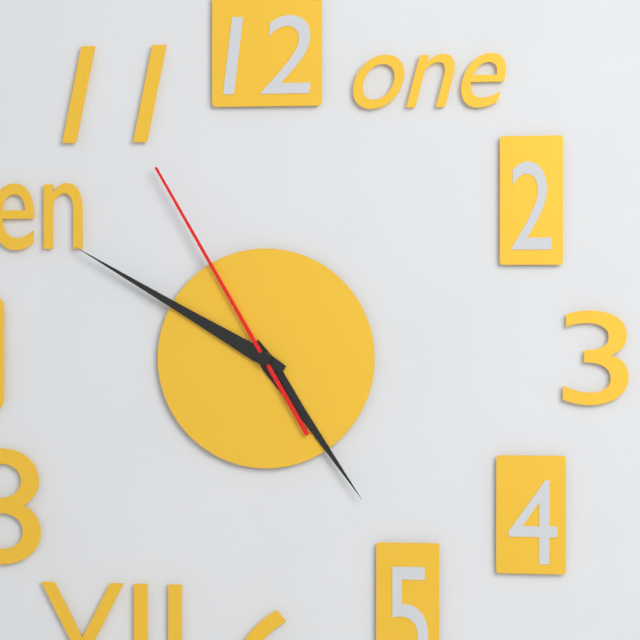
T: 4 h 50 min 55 s
